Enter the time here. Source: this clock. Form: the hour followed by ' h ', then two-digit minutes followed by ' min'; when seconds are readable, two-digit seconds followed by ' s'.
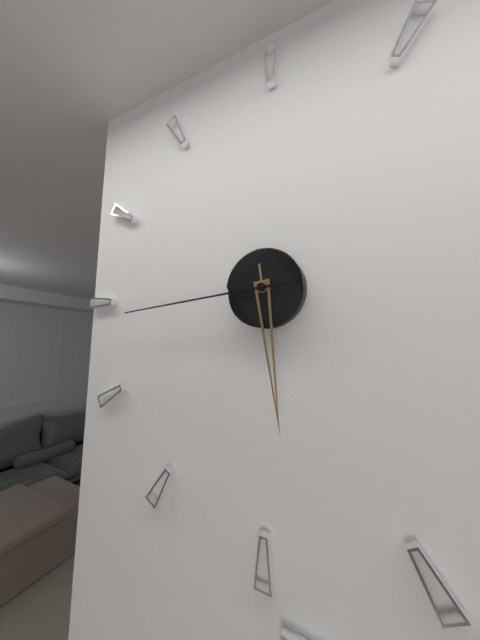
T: 5 h 44 min
